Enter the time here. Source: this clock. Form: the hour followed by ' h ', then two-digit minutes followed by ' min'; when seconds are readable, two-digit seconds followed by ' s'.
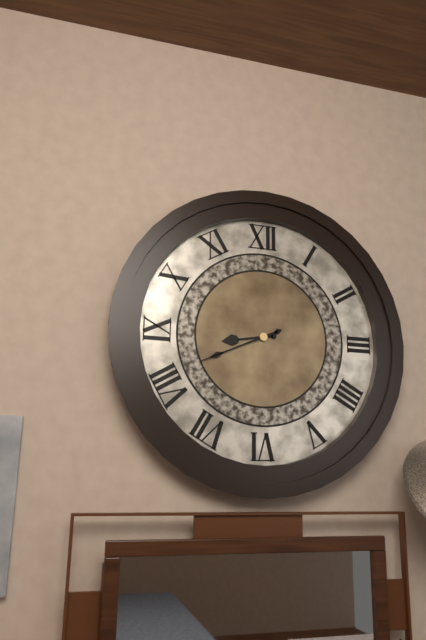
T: 8 h 41 min
